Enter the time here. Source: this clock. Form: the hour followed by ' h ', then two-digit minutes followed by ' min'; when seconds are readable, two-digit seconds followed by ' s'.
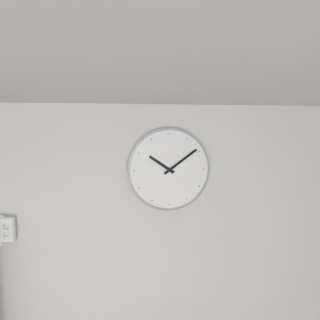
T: 10 h 09 min
